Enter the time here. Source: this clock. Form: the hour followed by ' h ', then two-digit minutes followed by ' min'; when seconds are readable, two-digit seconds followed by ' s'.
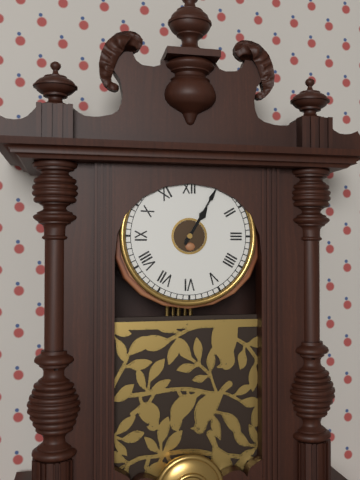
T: 1 h 05 min
